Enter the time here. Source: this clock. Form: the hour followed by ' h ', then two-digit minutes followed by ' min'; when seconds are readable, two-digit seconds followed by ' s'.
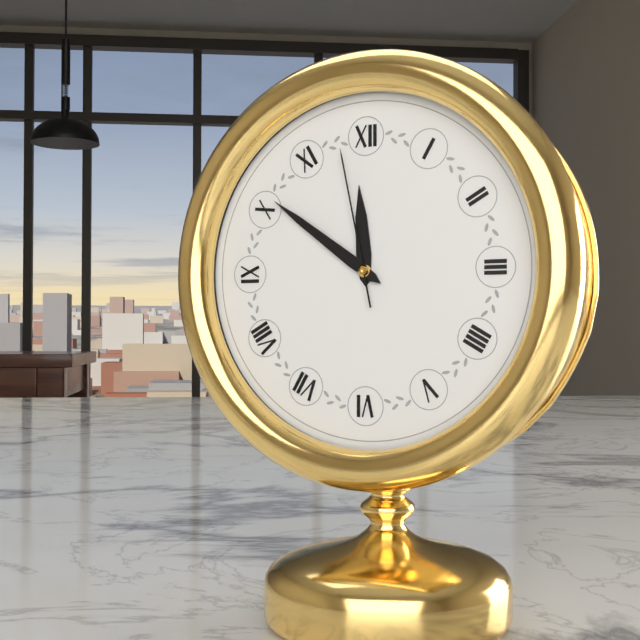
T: 11 h 51 min 58 s
